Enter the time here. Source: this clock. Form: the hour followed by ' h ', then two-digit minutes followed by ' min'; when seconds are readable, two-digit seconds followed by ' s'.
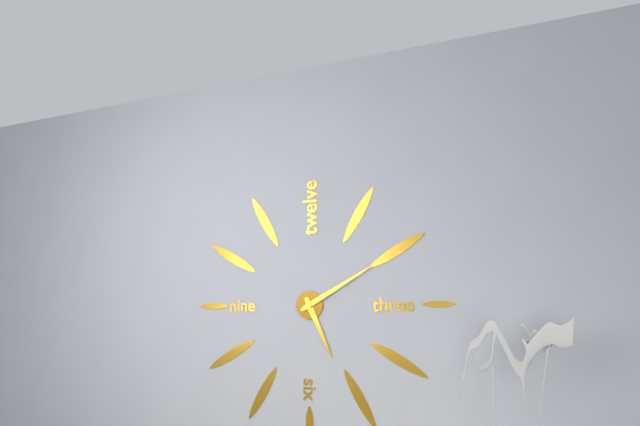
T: 5 h 10 min
